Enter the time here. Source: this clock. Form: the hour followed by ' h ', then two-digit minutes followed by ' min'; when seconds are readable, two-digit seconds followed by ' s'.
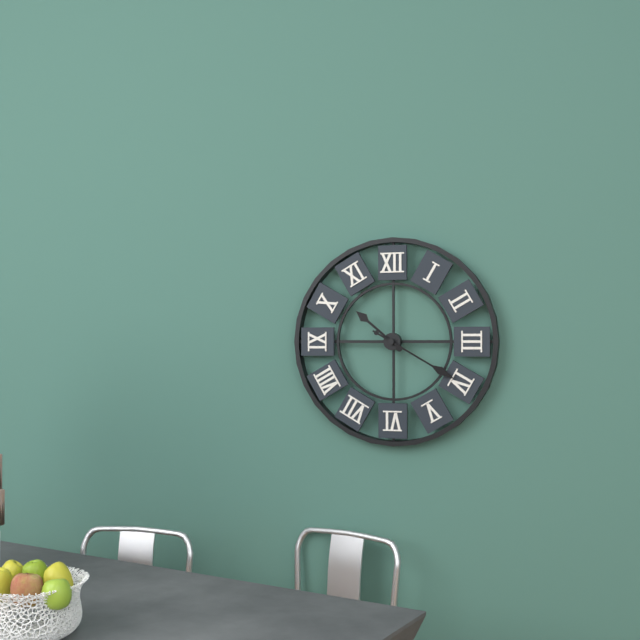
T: 10 h 20 min
